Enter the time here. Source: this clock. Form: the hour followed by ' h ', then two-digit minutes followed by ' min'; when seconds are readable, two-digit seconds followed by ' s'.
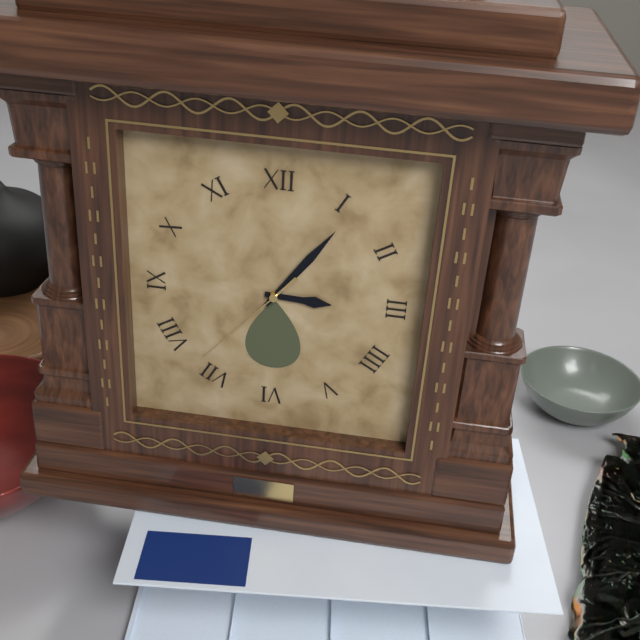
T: 3 h 06 min 37 s
